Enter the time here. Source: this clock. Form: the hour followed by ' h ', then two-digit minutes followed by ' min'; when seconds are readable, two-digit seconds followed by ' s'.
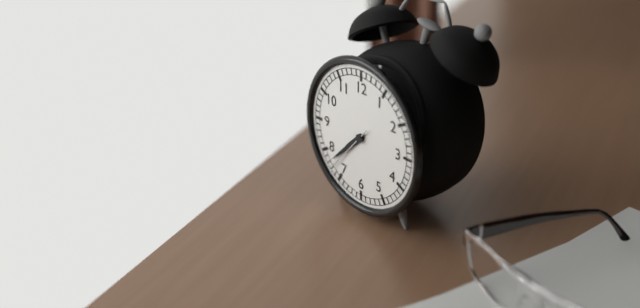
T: 7 h 38 min 37 s
